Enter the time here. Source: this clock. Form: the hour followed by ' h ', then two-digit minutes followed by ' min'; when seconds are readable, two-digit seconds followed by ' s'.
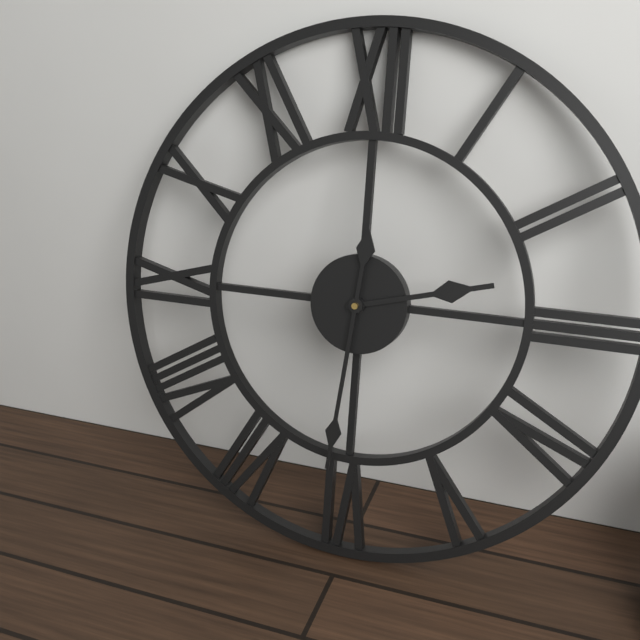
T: 2 h 31 min
